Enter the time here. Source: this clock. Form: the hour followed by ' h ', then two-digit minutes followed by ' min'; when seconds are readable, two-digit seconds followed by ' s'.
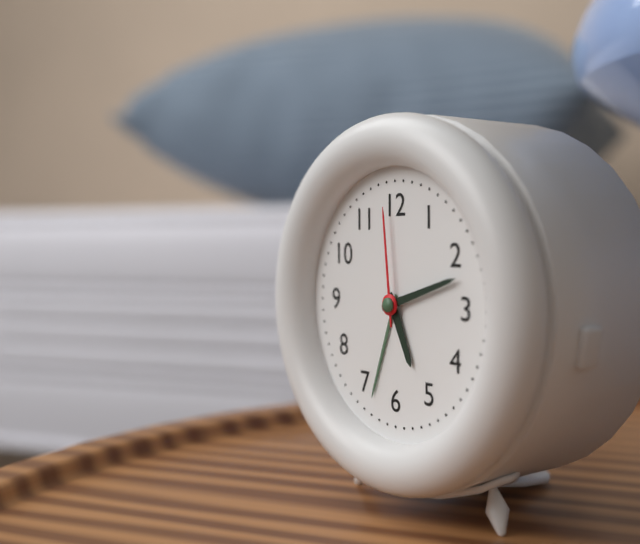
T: 5 h 12 min 59 s
